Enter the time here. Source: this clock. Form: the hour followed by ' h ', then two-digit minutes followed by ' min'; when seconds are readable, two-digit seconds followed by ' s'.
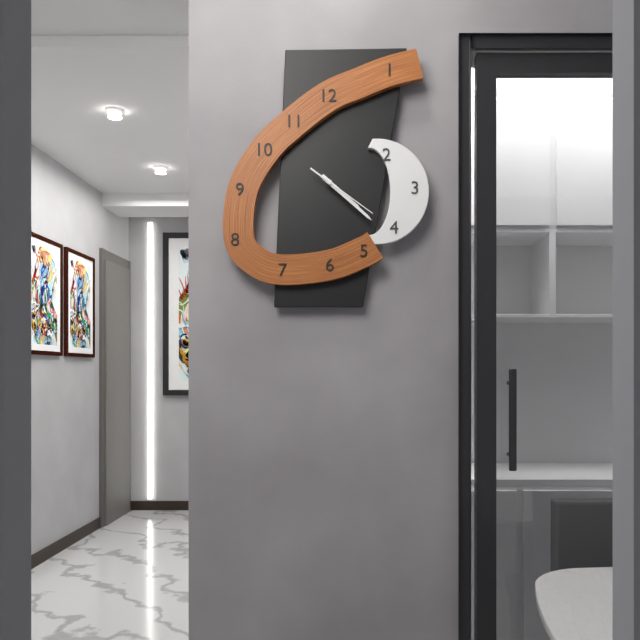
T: 4 h 22 min 21 s
